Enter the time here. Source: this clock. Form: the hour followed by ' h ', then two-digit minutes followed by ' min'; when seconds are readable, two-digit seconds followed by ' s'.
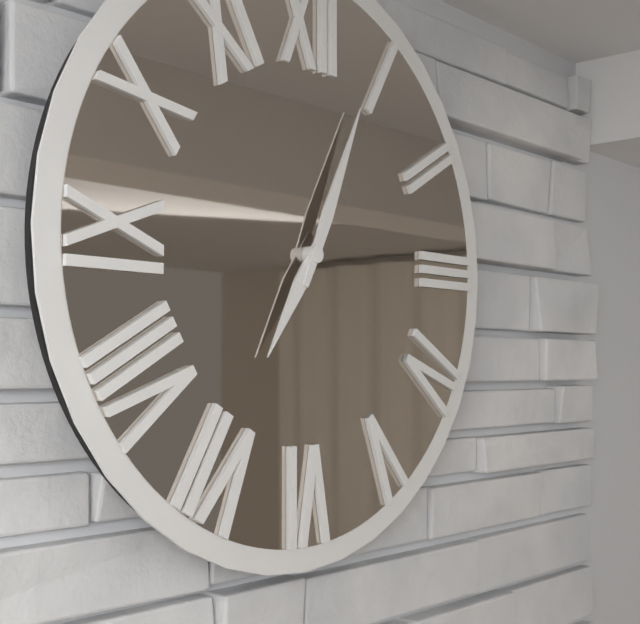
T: 7 h 04 min
